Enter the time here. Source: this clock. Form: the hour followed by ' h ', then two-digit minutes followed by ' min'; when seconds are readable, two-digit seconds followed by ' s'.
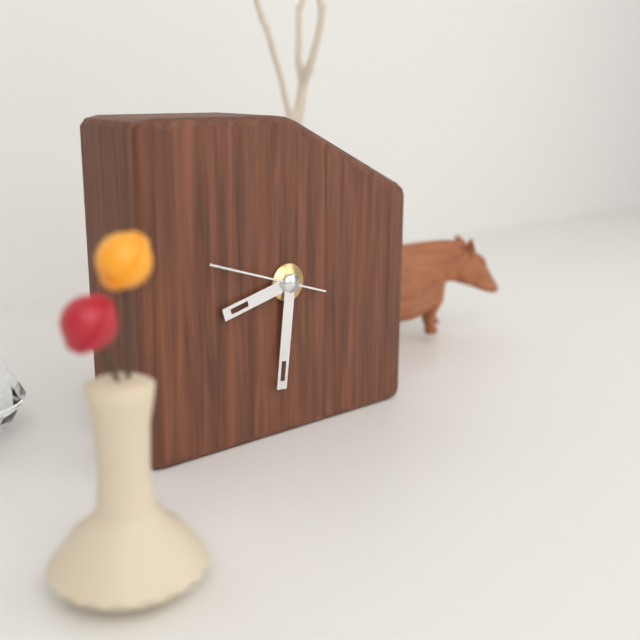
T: 8 h 31 min 48 s
